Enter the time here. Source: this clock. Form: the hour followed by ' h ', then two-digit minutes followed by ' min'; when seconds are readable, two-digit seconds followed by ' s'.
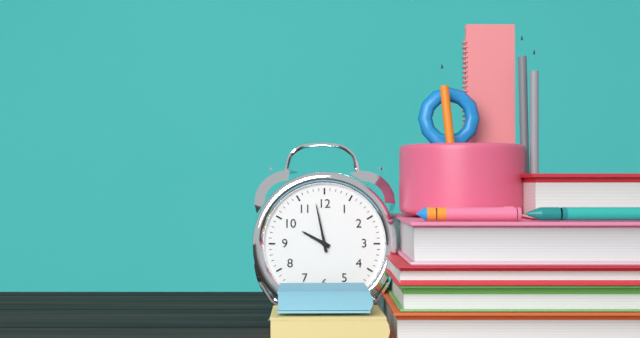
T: 9 h 58 min
